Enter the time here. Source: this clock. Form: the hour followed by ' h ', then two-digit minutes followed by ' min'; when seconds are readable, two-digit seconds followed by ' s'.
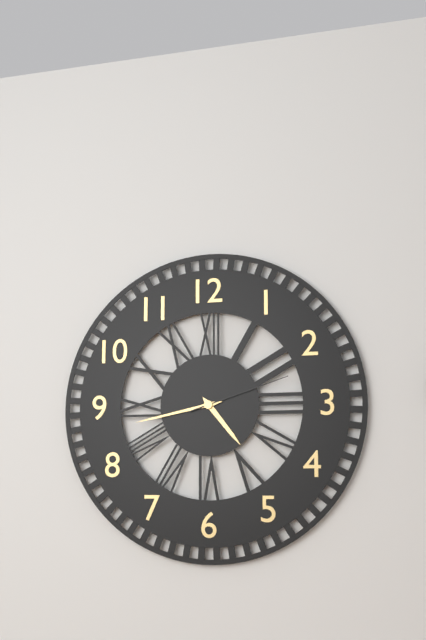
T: 4 h 43 min 12 s
